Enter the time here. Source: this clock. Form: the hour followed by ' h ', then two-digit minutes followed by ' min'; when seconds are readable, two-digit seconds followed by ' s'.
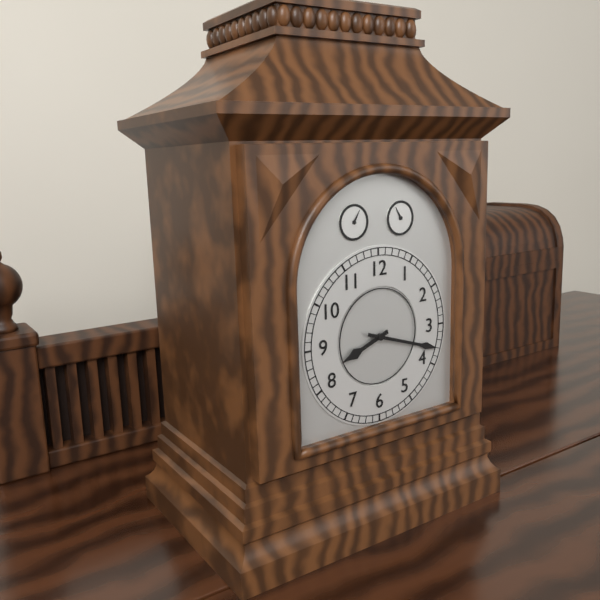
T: 8 h 18 min
